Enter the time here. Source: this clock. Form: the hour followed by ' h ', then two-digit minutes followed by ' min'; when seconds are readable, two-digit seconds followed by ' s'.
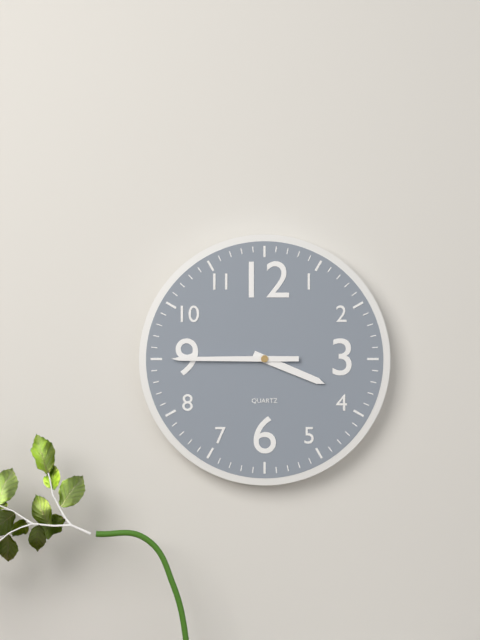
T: 3 h 45 min
